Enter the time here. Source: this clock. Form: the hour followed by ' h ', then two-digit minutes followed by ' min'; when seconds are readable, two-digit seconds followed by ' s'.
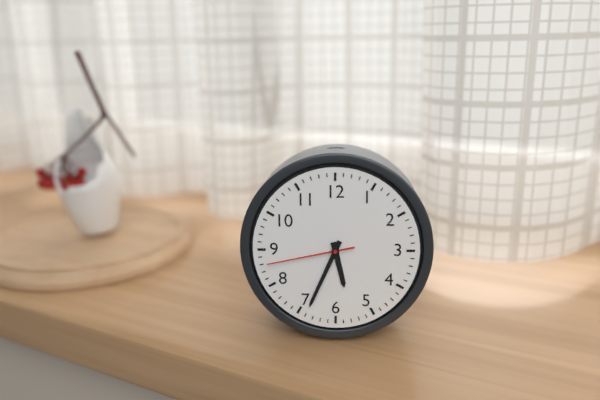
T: 5 h 34 min 43 s
